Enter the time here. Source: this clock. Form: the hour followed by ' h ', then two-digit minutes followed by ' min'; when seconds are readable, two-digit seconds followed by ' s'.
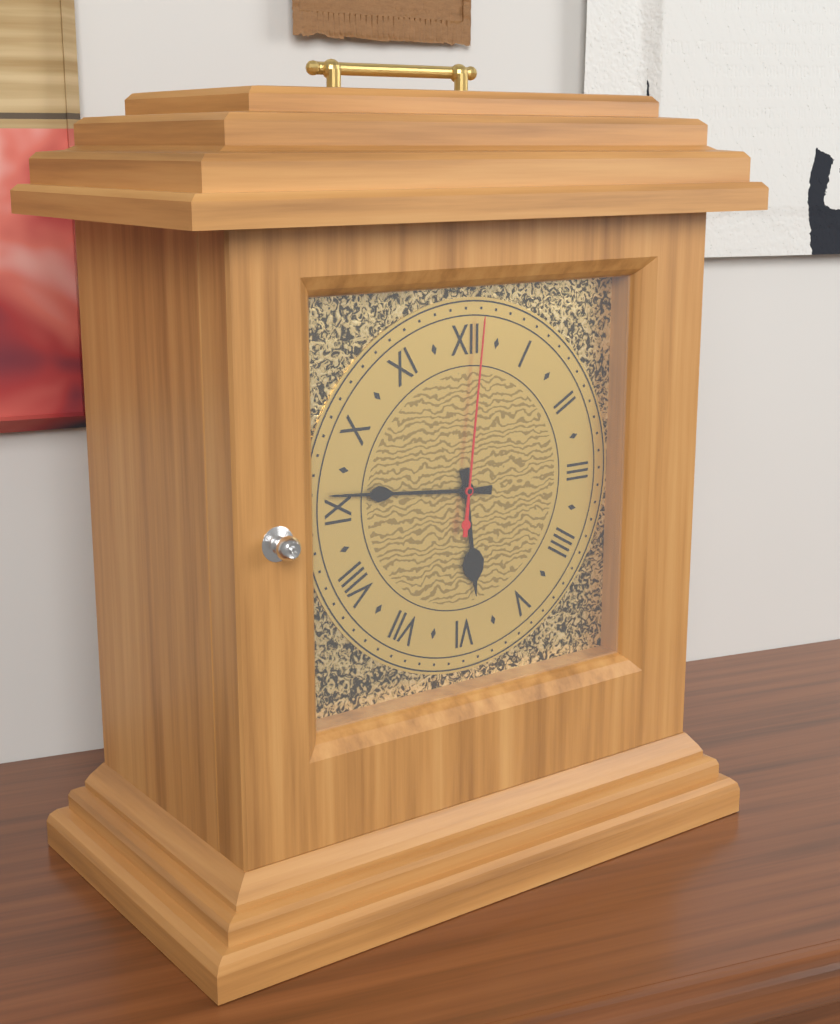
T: 5 h 46 min 01 s
